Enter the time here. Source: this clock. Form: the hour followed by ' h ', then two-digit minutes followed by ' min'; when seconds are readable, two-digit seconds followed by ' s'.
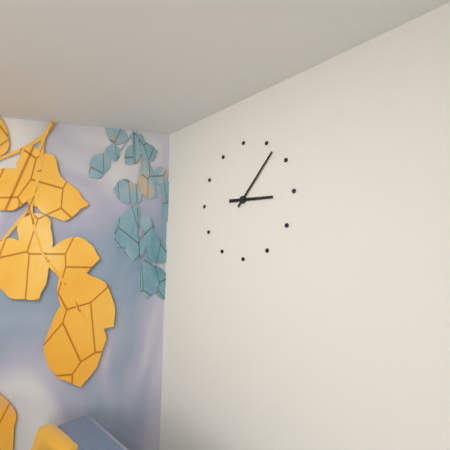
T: 3 h 07 min
